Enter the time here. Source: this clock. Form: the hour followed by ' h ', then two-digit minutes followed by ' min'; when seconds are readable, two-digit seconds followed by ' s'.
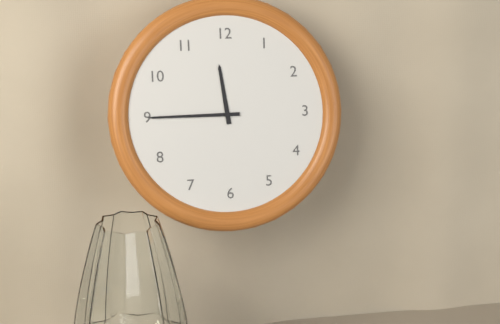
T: 11 h 45 min
